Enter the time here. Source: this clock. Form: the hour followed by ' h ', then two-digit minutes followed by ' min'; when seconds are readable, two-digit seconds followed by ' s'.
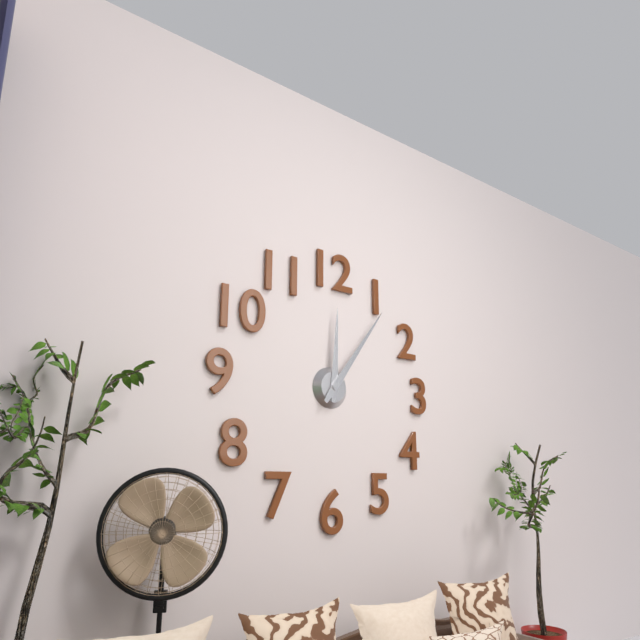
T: 12 h 06 min
